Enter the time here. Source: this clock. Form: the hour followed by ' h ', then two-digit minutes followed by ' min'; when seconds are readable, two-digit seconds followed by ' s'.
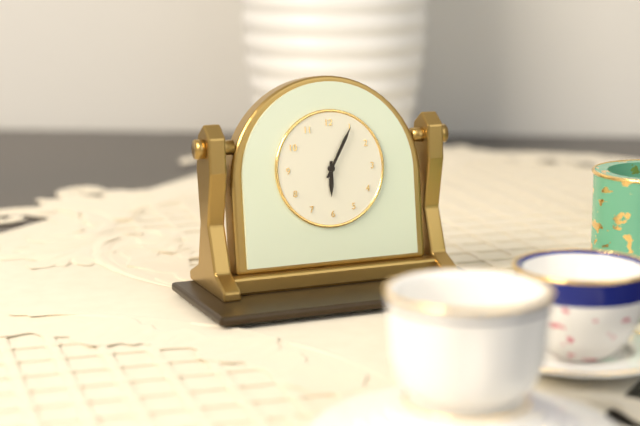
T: 6 h 05 min
